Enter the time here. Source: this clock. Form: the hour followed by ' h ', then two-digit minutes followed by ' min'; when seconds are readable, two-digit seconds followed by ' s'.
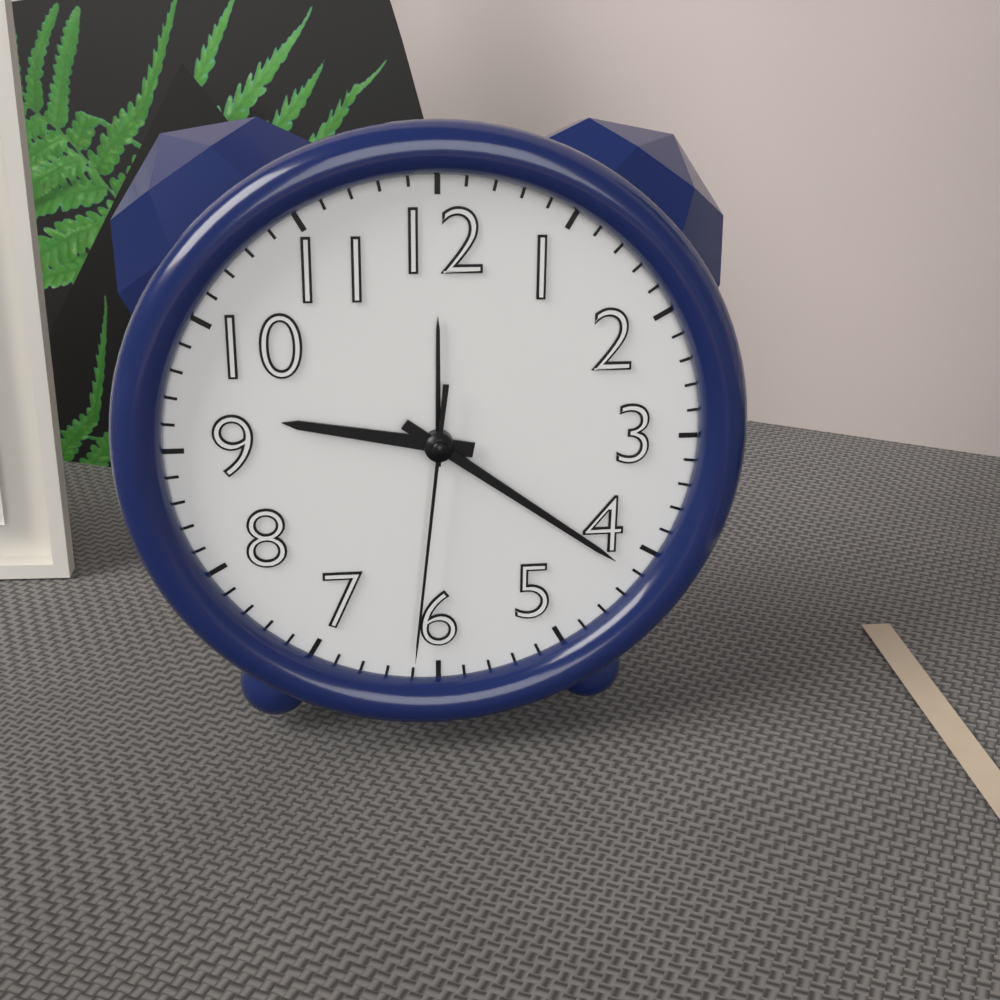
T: 9 h 21 min 31 s
